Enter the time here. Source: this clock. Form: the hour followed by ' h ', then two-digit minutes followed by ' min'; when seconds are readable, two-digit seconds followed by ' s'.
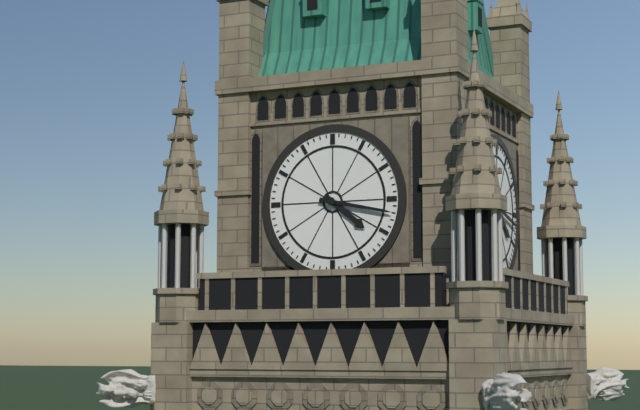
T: 4 h 17 min
